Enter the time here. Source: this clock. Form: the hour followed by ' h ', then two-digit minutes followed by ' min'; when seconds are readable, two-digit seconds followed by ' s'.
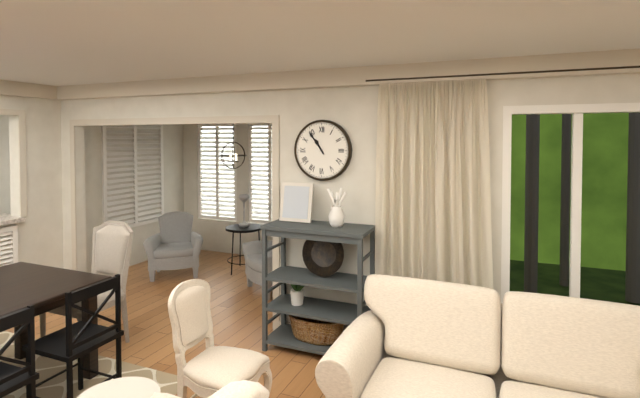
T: 10 h 54 min
